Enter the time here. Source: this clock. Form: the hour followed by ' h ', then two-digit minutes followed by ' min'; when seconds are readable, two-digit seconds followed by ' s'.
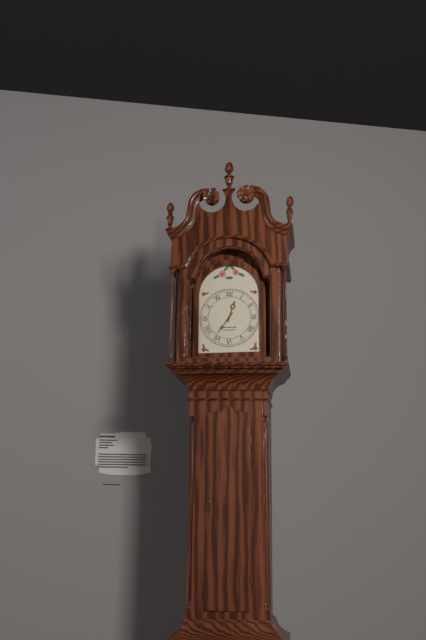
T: 12 h 36 min
